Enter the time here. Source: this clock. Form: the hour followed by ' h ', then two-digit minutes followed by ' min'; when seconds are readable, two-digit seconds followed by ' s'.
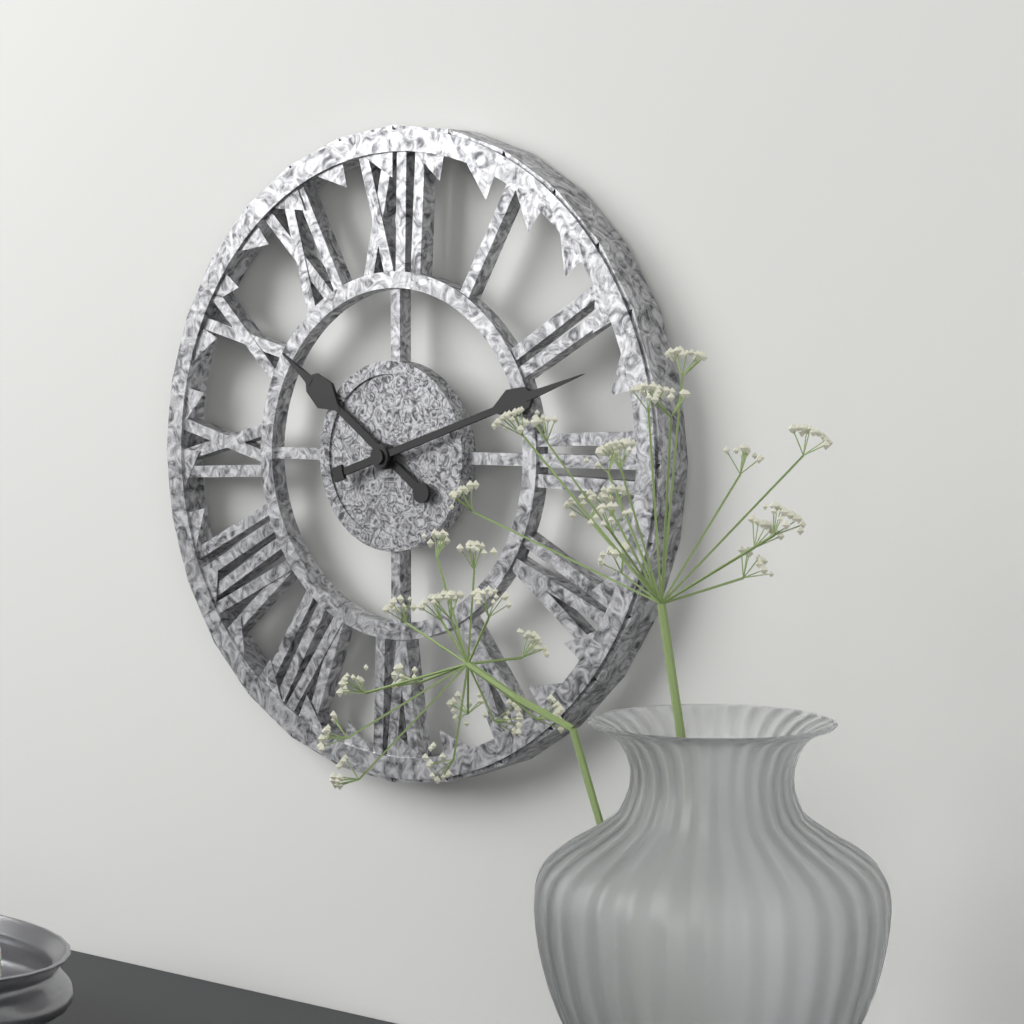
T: 10 h 12 min
